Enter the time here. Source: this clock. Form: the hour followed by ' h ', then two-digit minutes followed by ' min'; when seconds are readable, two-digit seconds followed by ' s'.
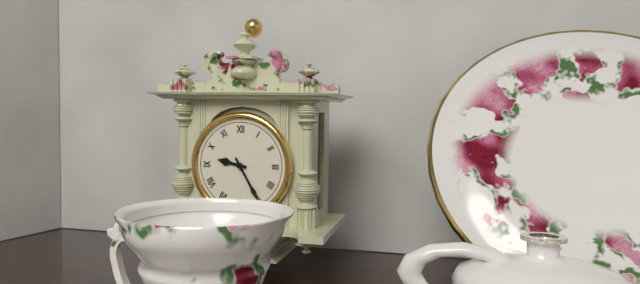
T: 9 h 25 min
